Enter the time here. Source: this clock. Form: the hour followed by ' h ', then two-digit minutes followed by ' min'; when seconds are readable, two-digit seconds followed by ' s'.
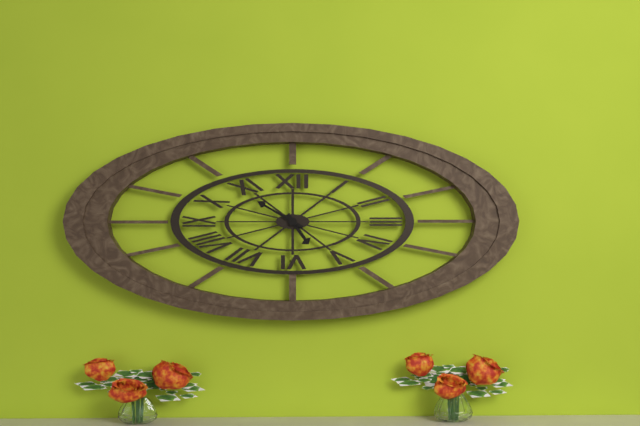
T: 4 h 50 min
